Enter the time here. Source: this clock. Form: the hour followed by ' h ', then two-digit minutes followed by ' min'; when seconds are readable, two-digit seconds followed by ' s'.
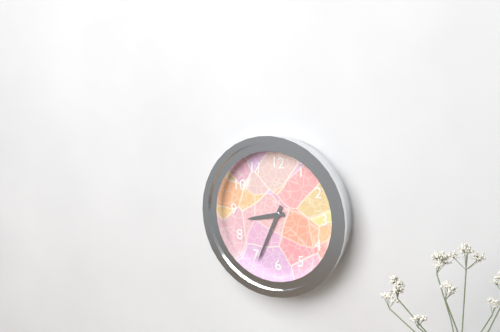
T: 8 h 34 min
